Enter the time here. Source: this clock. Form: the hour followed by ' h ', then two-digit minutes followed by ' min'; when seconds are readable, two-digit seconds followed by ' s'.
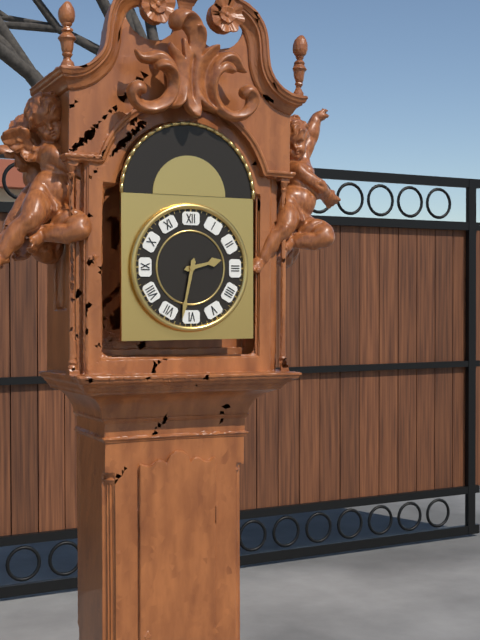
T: 2 h 32 min
